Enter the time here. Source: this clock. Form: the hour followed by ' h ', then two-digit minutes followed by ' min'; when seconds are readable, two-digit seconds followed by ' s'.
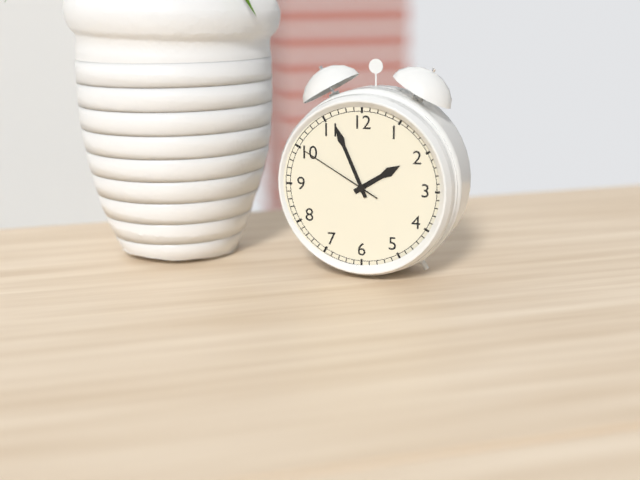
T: 1 h 56 min 50 s
